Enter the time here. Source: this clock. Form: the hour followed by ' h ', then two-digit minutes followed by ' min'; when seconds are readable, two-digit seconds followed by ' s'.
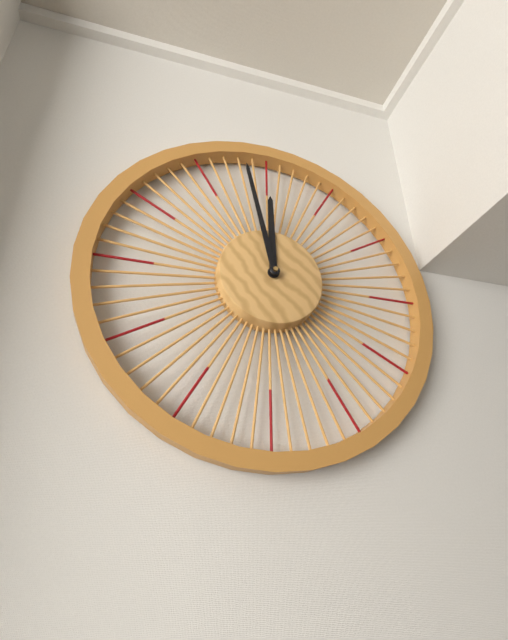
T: 11 h 58 min
